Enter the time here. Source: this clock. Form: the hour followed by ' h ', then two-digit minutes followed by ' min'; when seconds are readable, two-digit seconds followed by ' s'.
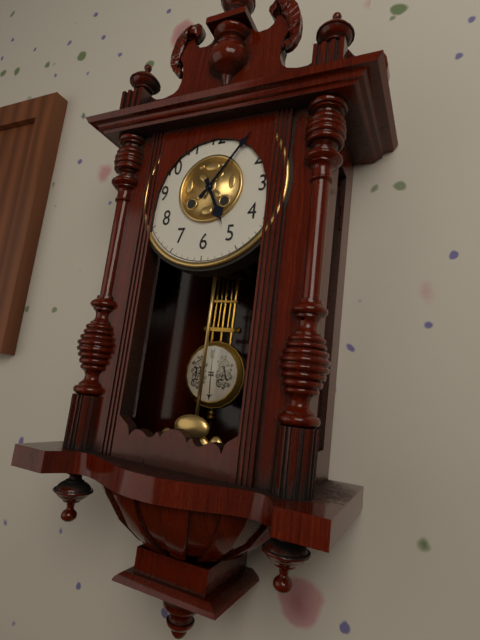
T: 5 h 06 min
